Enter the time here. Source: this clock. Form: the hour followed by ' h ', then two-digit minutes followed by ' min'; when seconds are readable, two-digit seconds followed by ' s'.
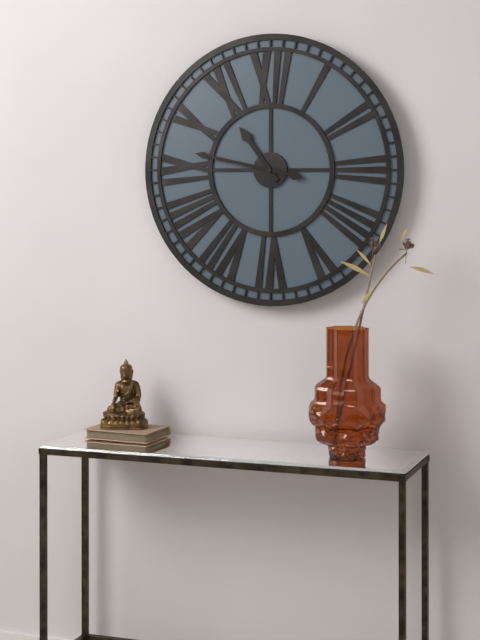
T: 10 h 47 min
